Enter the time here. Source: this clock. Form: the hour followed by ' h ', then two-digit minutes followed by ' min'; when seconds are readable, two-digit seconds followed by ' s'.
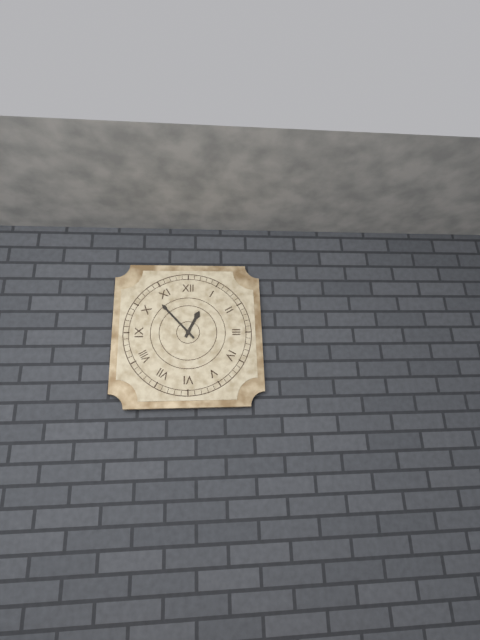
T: 12 h 53 min
